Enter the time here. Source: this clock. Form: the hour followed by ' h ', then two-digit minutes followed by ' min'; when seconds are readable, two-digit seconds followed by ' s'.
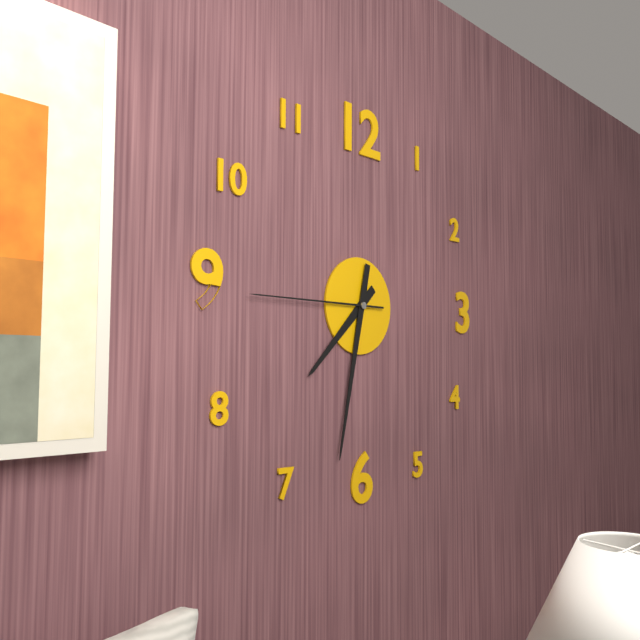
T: 7 h 32 min 45 s
